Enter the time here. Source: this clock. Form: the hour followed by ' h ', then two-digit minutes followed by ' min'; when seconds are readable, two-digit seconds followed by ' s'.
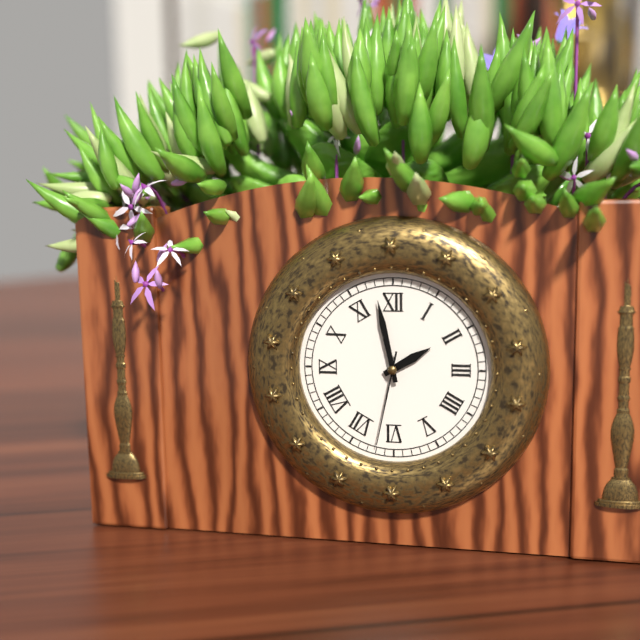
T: 1 h 58 min 32 s
